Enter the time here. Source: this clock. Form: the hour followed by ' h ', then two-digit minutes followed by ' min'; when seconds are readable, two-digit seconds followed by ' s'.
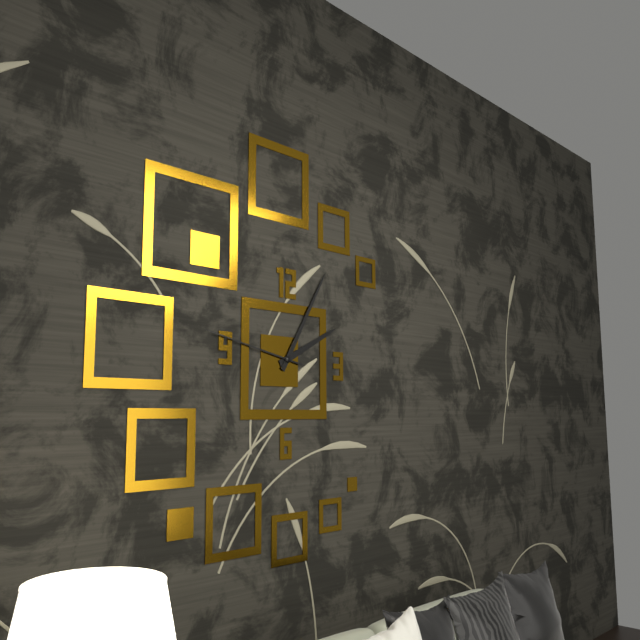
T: 2 h 05 min 47 s
